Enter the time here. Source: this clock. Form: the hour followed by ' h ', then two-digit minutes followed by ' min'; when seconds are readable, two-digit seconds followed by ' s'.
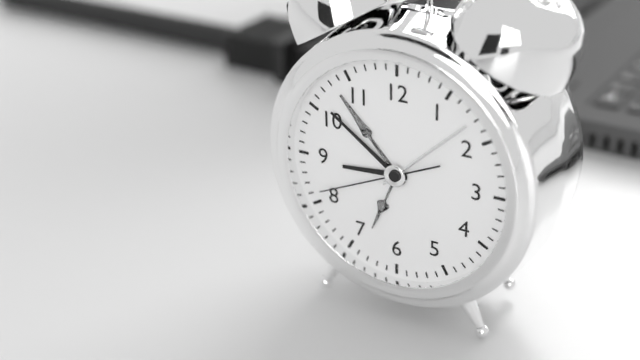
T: 8 h 51 min 41 s
